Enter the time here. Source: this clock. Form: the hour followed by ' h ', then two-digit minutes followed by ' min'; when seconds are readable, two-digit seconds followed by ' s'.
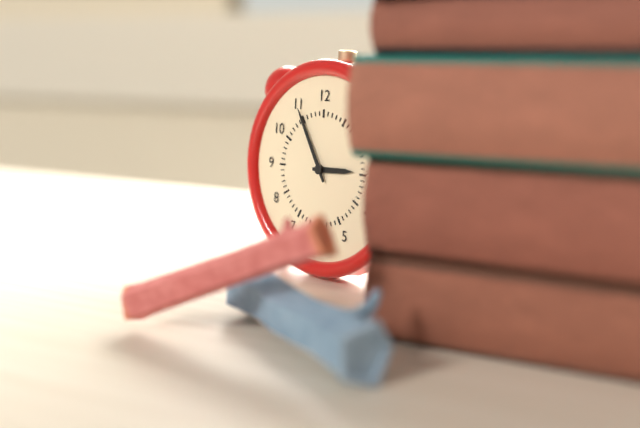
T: 2 h 55 min
